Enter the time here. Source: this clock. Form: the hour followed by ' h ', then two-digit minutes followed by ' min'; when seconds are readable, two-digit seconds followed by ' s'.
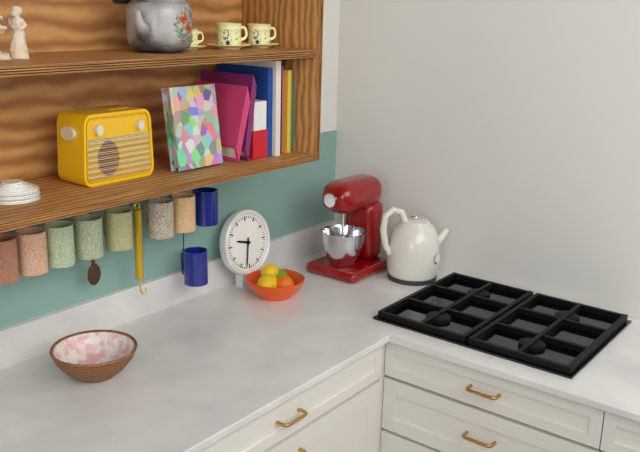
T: 9 h 32 min
